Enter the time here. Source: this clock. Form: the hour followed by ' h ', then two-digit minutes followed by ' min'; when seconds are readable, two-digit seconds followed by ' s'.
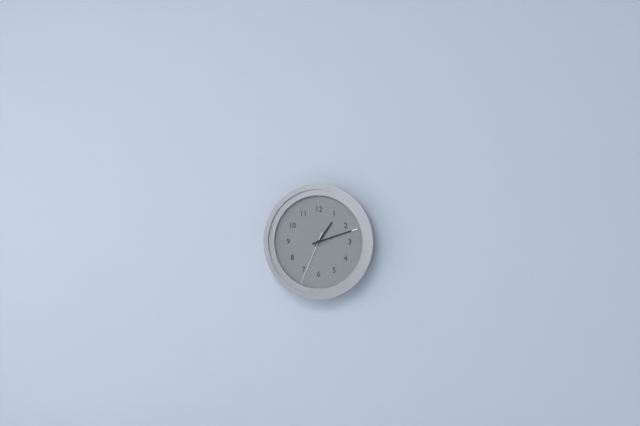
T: 1 h 12 min 34 s
